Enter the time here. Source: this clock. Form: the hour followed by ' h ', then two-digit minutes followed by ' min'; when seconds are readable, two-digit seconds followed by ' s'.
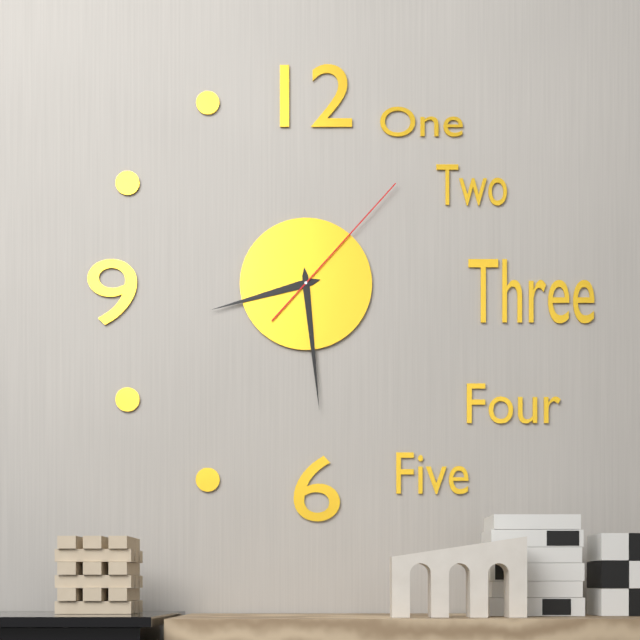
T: 8 h 29 min 07 s
